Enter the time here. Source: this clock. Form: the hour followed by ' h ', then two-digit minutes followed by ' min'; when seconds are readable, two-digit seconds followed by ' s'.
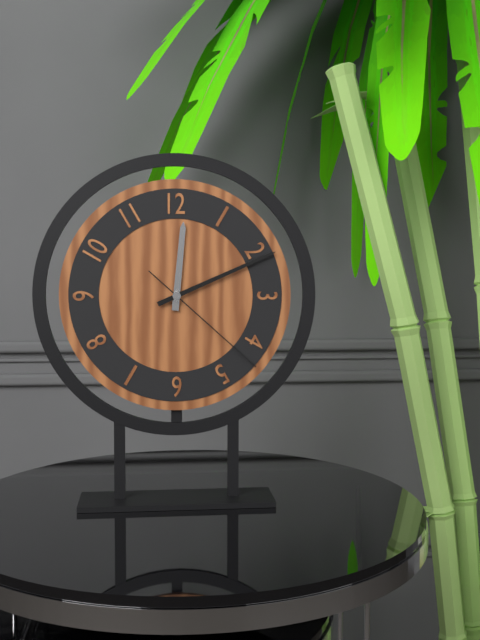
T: 12 h 11 min 22 s
